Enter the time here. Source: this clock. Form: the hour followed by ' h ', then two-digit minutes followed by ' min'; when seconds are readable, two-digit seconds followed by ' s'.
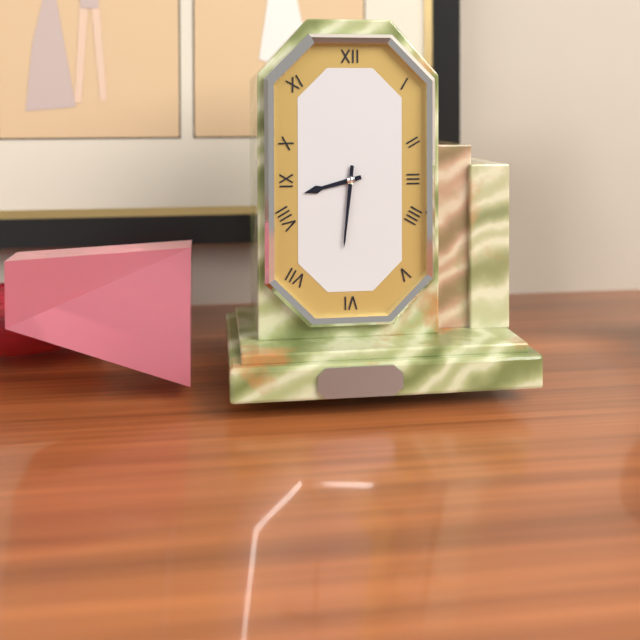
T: 8 h 31 min
